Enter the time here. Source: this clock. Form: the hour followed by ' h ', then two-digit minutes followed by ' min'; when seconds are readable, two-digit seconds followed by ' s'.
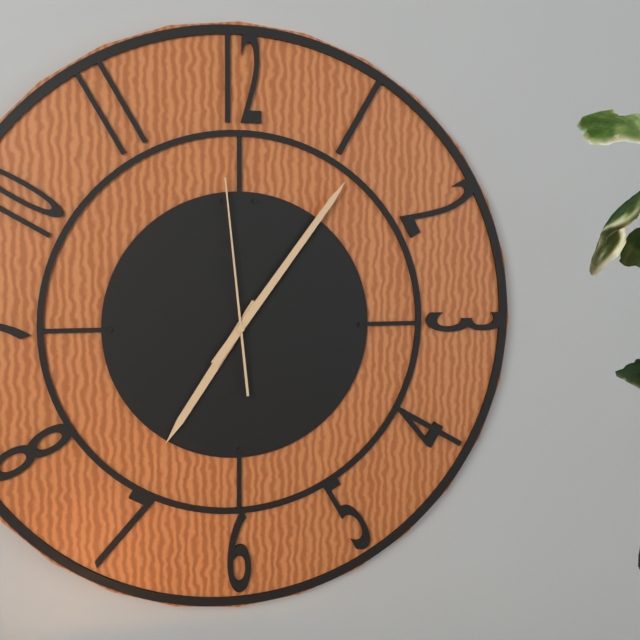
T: 7 h 06 min 59 s
